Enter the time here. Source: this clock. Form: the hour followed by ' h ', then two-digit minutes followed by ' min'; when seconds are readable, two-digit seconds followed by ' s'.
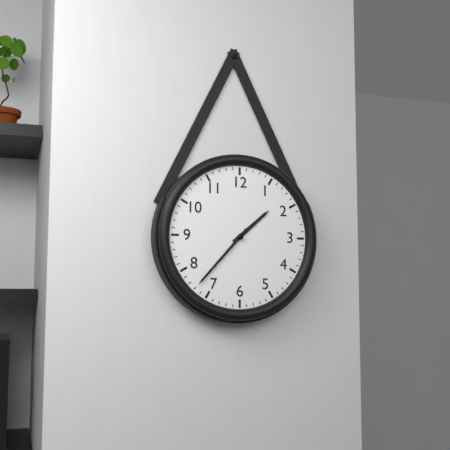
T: 1 h 37 min
